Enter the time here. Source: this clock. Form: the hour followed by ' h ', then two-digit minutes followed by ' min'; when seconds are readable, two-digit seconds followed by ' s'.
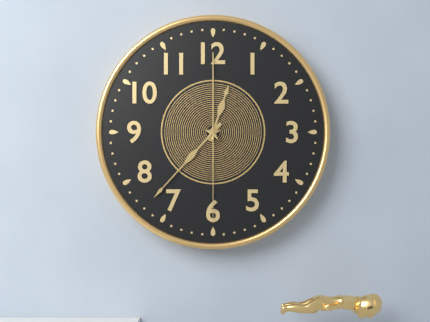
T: 12 h 37 min 30 s
